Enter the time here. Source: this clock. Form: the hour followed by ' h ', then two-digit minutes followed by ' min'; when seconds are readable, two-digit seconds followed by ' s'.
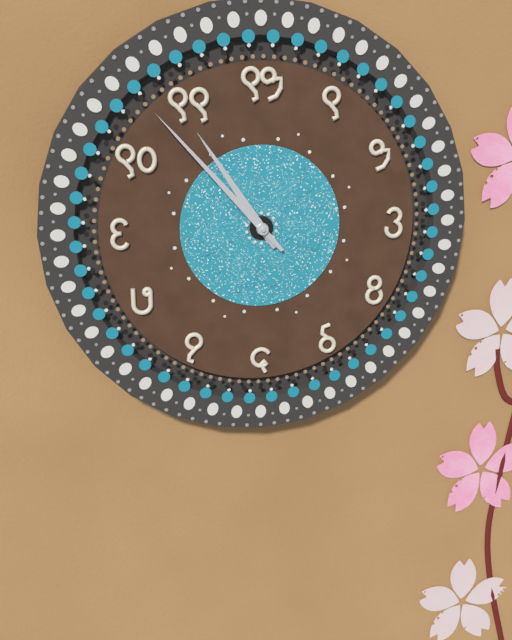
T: 10 h 53 min
